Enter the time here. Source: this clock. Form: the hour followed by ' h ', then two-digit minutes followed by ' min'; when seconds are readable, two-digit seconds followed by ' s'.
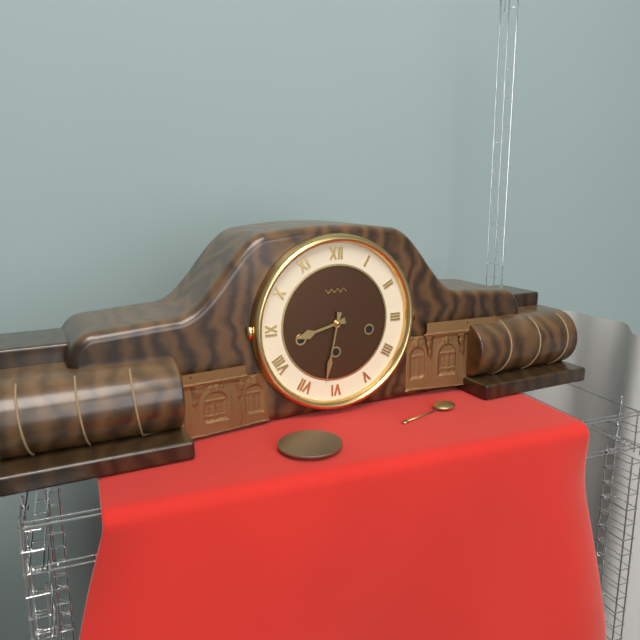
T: 8 h 32 min
